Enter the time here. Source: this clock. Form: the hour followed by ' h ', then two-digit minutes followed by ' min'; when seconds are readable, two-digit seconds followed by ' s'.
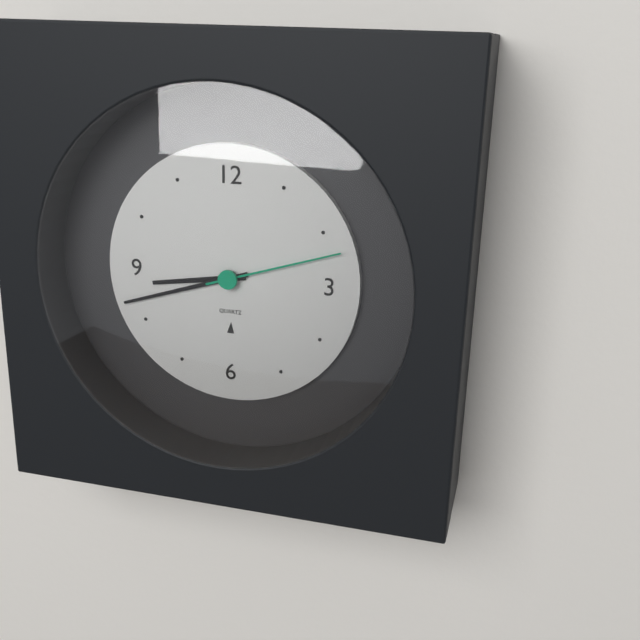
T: 8 h 42 min 12 s
